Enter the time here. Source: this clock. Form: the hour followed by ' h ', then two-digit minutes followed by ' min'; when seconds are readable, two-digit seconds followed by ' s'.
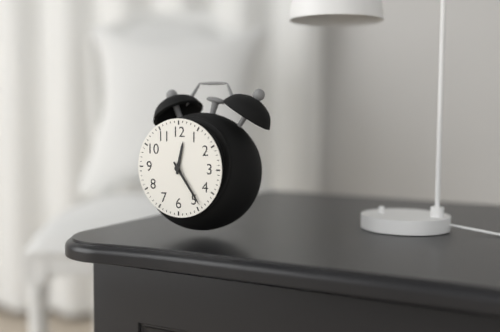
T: 12 h 24 min
